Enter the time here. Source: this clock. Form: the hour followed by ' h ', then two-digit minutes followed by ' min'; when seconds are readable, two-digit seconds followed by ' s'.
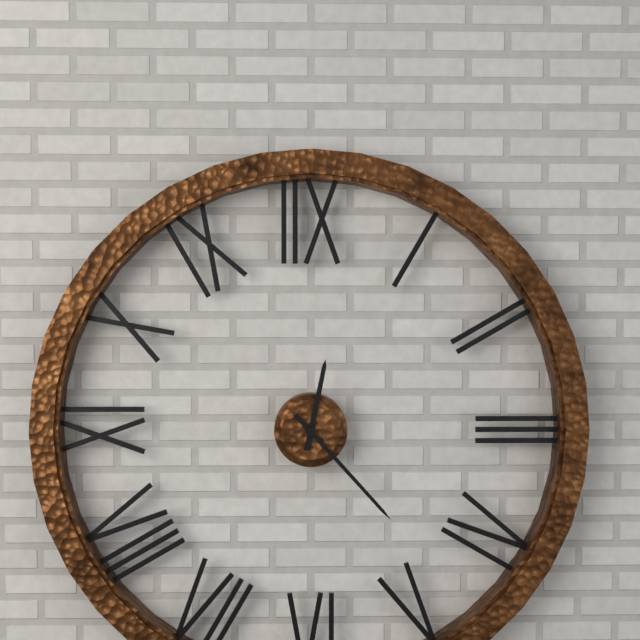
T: 12 h 23 min
